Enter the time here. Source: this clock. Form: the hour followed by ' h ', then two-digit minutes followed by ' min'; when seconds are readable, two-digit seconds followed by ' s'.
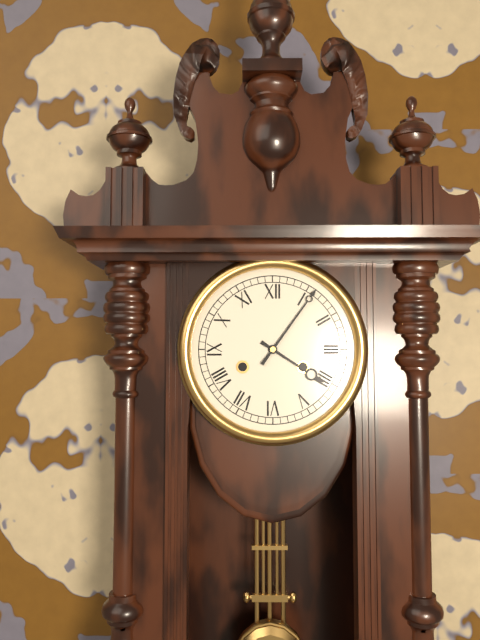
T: 4 h 06 min
